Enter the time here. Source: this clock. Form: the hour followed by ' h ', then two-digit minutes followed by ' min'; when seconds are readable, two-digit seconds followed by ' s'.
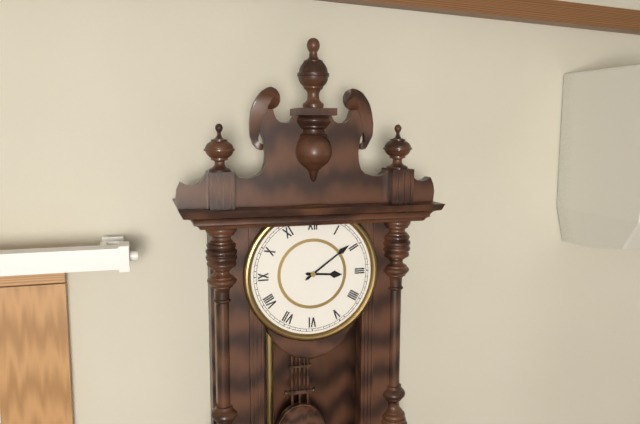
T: 3 h 09 min
